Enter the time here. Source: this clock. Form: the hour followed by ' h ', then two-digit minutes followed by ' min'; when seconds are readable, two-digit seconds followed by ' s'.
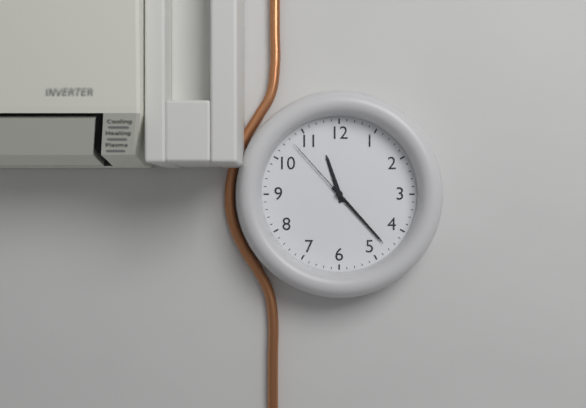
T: 11 h 23 min 53 s
